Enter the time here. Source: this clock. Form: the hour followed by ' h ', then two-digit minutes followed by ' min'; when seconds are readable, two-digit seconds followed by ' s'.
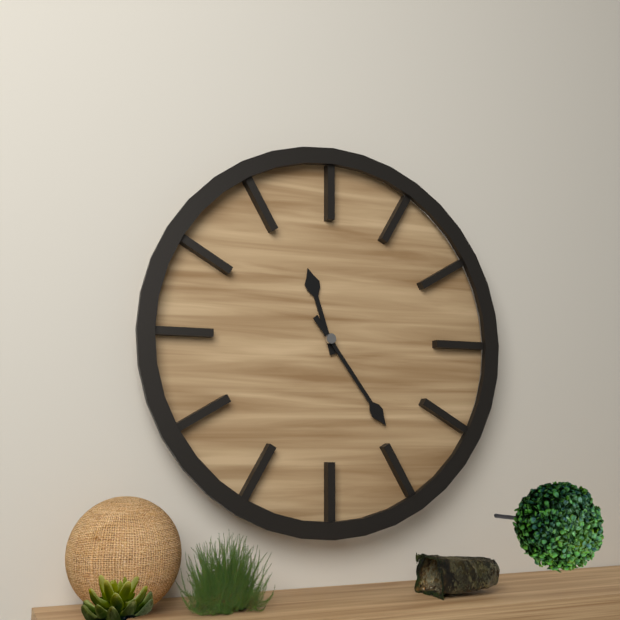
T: 11 h 24 min
